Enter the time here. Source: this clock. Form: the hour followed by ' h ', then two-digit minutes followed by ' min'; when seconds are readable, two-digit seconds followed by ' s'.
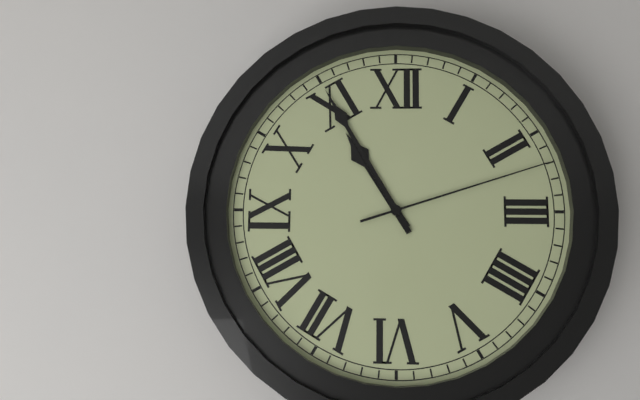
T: 10 h 55 min 12 s
